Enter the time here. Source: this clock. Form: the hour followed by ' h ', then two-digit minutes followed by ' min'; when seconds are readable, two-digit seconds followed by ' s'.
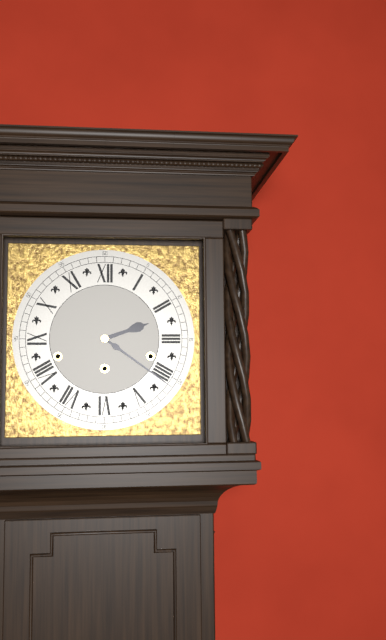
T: 2 h 21 min
